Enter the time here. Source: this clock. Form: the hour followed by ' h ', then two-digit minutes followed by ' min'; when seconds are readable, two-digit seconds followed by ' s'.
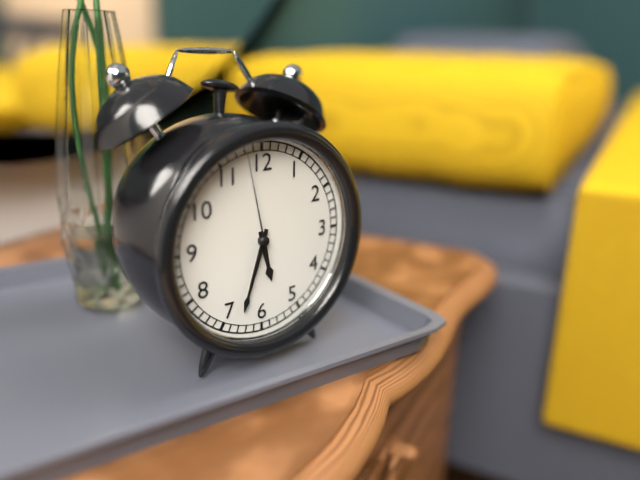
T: 5 h 33 min 58 s
